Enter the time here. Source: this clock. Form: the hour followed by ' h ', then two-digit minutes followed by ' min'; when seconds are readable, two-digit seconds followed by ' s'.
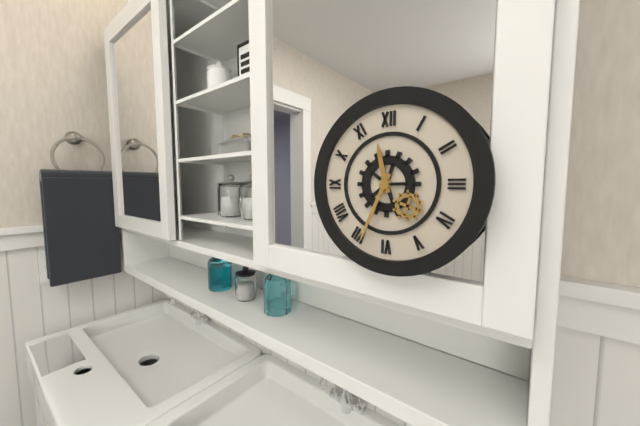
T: 11 h 34 min
